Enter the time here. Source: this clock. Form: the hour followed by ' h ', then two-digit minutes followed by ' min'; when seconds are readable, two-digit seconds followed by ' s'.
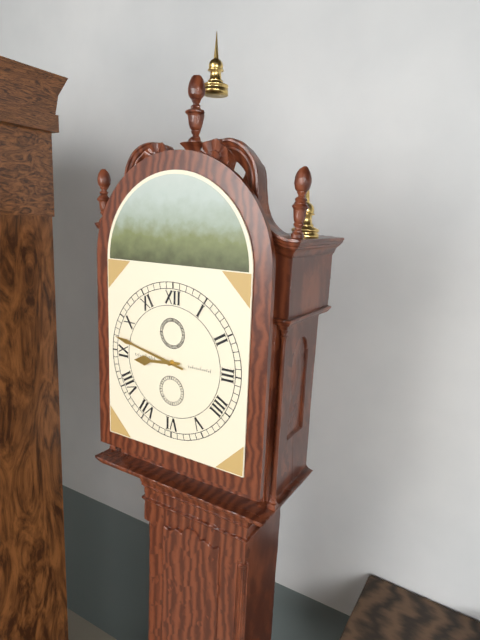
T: 8 h 47 min
